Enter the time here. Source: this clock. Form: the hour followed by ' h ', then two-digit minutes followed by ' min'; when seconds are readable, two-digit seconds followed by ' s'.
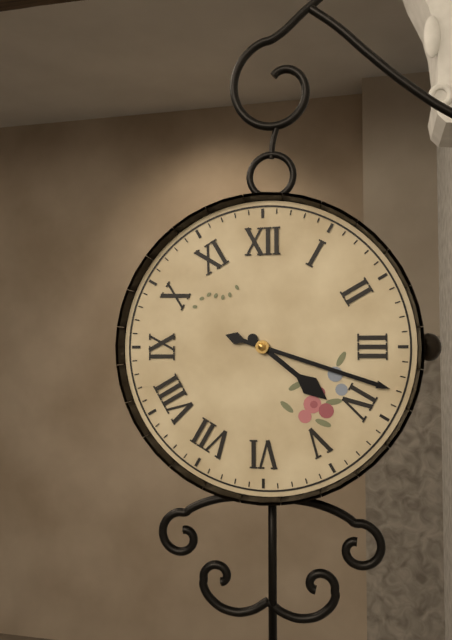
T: 4 h 18 min
